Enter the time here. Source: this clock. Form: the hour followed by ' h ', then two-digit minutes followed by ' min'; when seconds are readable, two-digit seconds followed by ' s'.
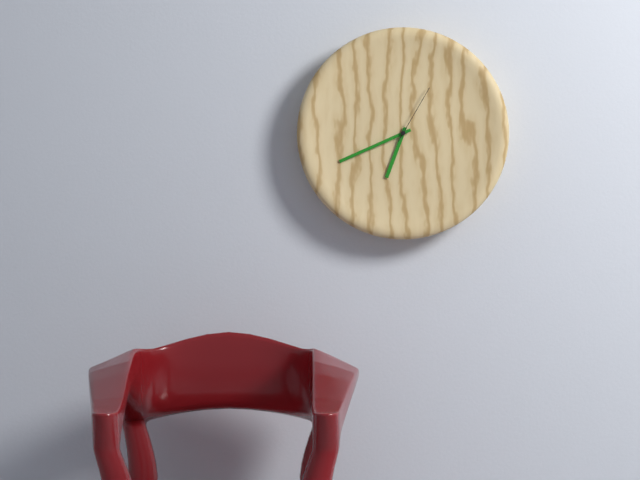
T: 6 h 41 min 05 s
